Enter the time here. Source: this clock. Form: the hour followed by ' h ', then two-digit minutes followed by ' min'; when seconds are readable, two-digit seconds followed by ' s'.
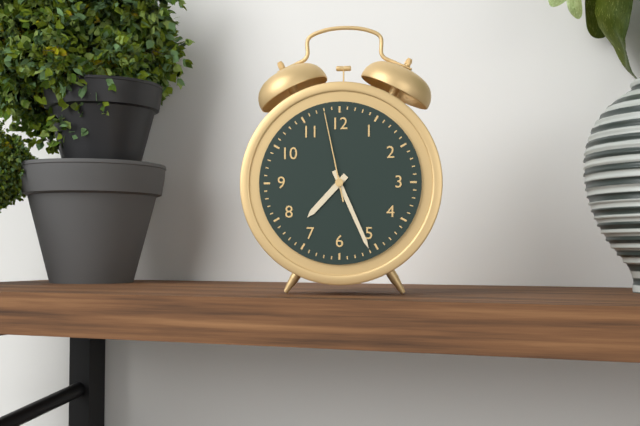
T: 7 h 26 min 58 s
